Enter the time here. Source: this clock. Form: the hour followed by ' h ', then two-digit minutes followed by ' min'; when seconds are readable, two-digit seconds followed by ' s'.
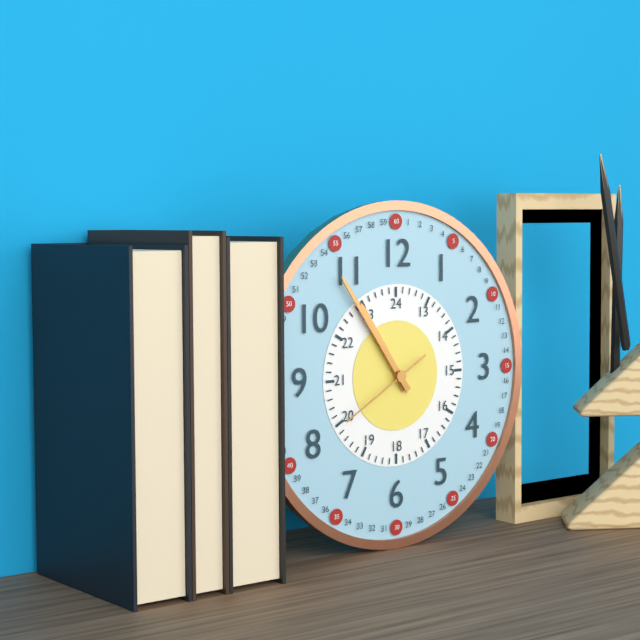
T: 10 h 54 min 40 s
